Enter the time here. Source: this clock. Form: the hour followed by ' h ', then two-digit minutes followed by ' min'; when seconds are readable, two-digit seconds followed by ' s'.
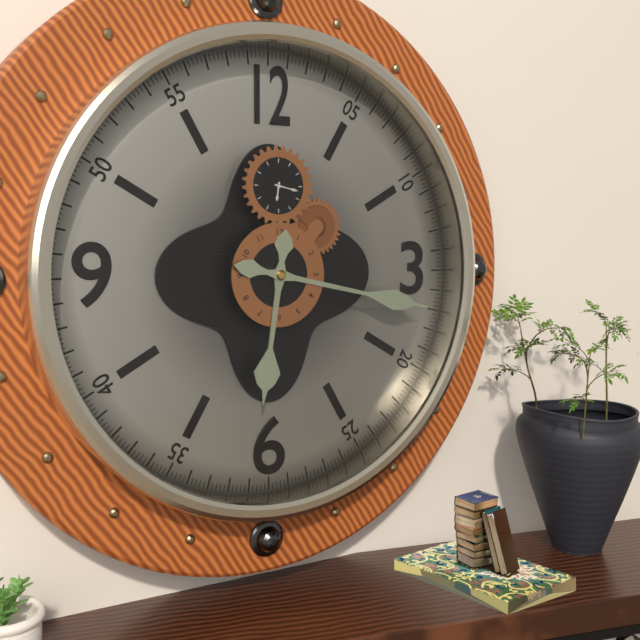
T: 6 h 17 min
